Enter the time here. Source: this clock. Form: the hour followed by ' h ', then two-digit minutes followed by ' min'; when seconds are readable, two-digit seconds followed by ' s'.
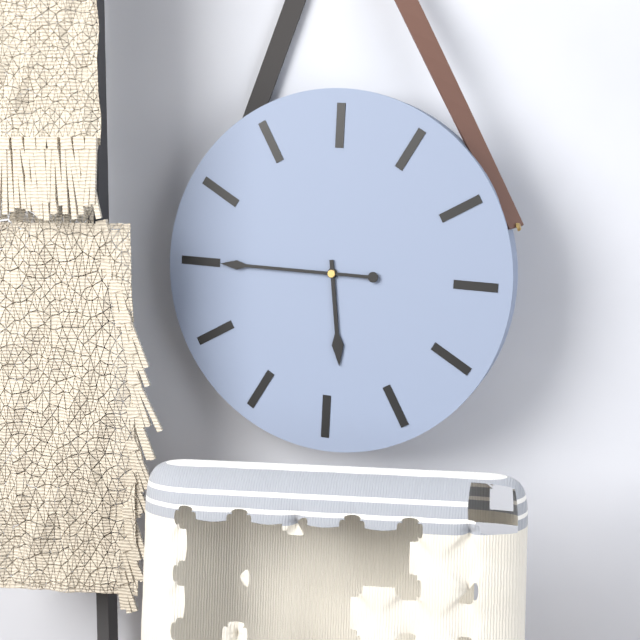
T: 5 h 45 min
